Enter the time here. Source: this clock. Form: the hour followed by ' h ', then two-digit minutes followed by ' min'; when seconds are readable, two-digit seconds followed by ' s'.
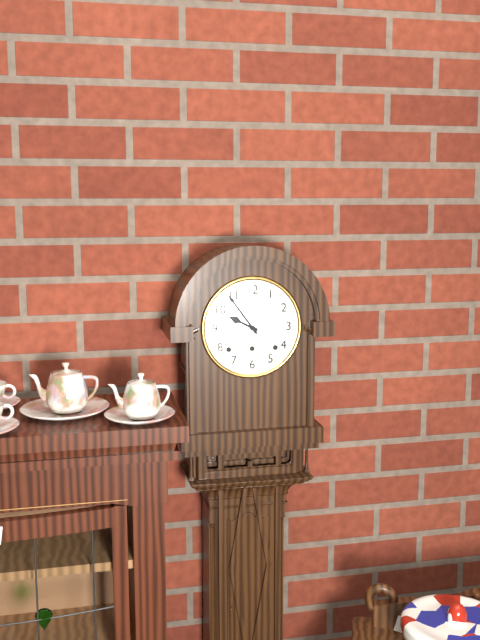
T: 9 h 54 min
